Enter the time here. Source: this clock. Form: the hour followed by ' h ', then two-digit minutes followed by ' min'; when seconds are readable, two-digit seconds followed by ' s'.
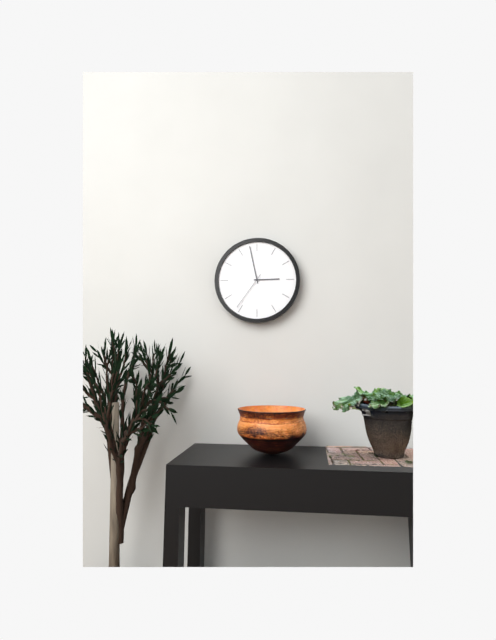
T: 2 h 58 min
